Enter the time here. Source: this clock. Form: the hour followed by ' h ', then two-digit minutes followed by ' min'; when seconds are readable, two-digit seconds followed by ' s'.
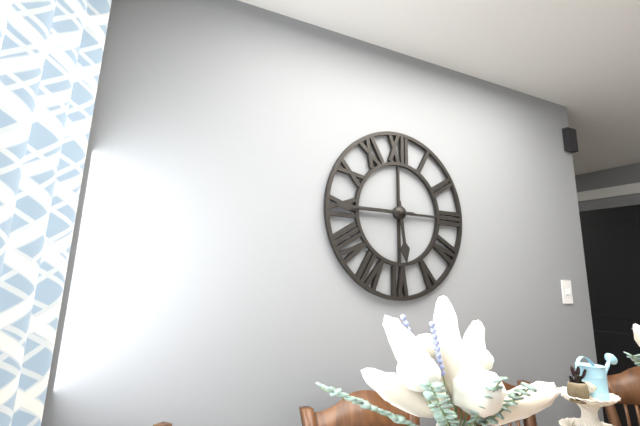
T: 5 h 45 min
